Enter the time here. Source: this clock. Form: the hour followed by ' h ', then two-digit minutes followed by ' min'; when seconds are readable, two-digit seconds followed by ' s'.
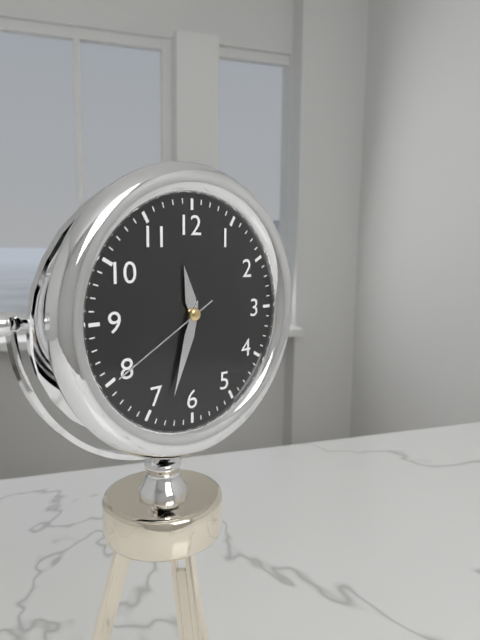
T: 11 h 33 min 40 s
